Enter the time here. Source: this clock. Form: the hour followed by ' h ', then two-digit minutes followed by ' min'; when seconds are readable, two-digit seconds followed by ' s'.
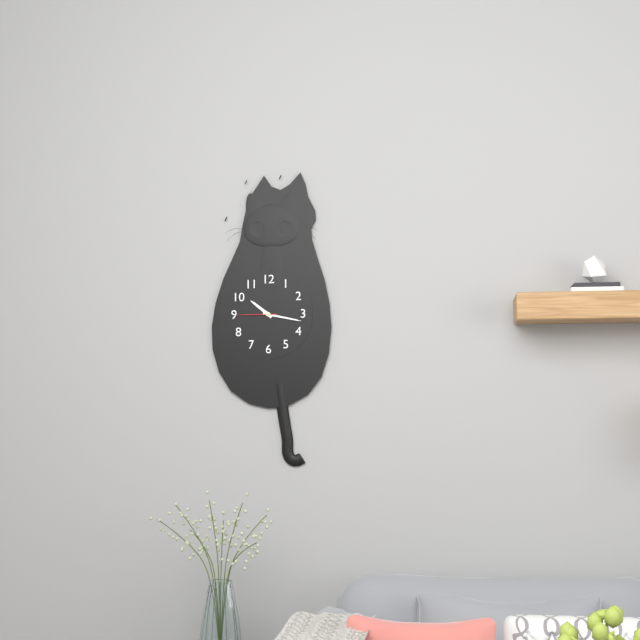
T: 10 h 17 min
